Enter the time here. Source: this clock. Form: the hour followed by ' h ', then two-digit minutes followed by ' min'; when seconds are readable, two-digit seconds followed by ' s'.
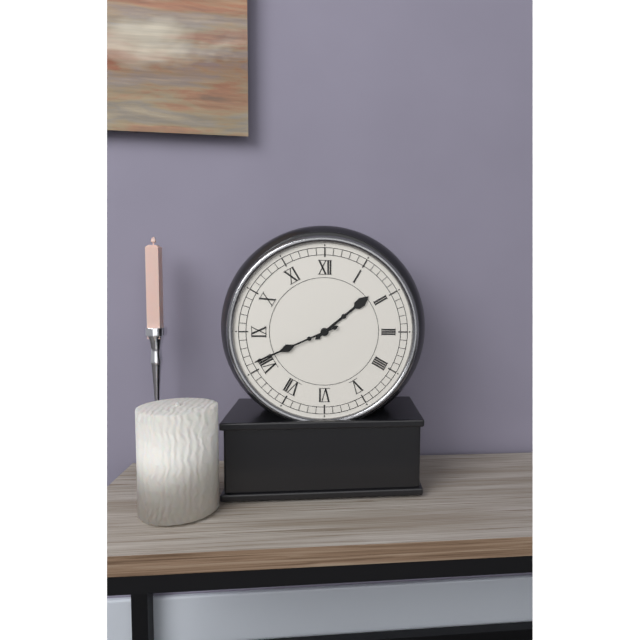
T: 1 h 41 min
